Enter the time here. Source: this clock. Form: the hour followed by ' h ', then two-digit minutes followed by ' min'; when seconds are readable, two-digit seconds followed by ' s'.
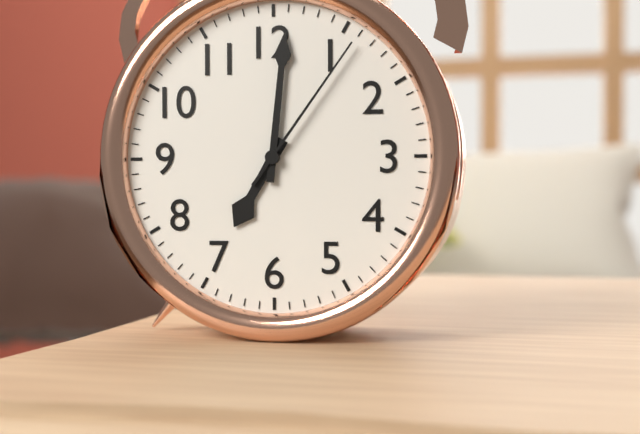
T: 7 h 01 min 06 s
